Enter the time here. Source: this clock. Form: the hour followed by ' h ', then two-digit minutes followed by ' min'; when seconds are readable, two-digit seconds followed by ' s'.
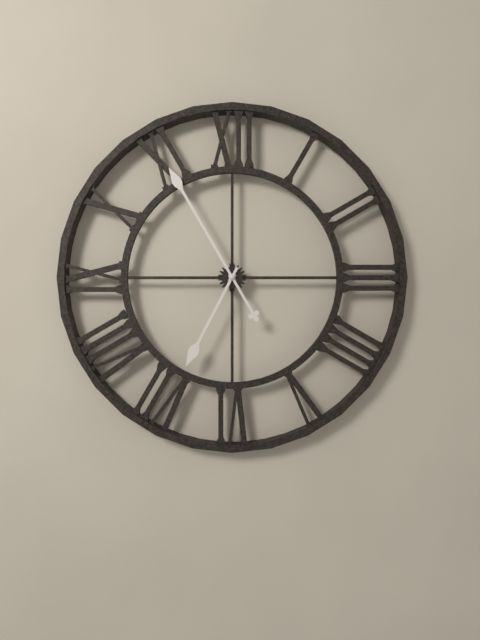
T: 6 h 55 min
